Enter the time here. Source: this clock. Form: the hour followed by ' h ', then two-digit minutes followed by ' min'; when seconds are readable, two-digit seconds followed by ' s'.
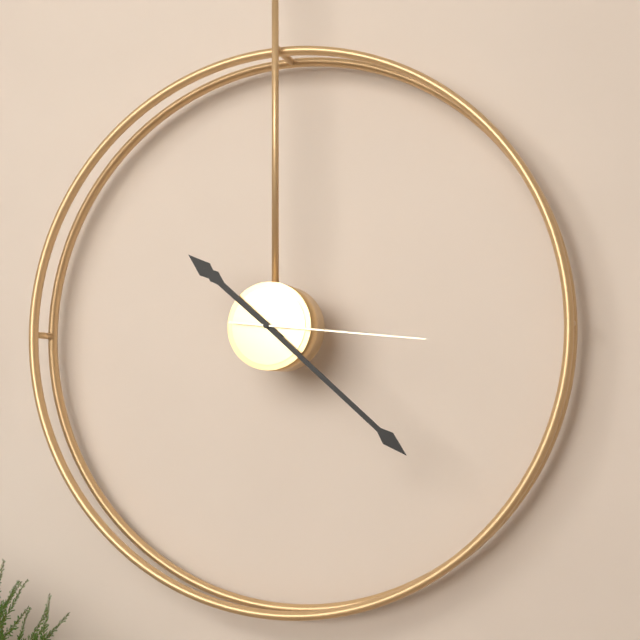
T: 10 h 22 min 16 s
